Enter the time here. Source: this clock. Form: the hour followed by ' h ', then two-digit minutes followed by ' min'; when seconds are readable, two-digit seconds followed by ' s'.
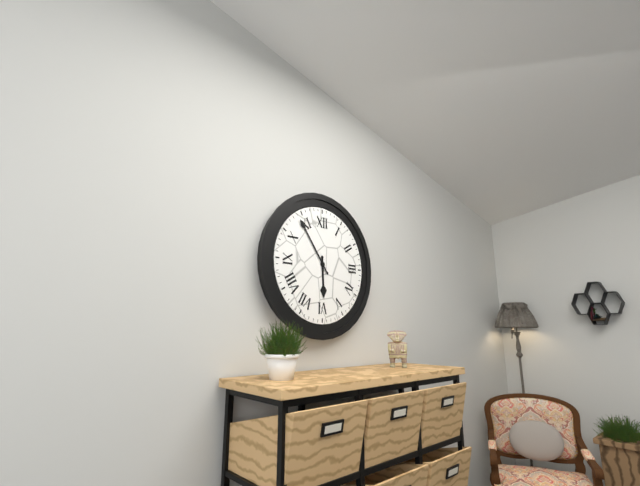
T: 5 h 54 min
